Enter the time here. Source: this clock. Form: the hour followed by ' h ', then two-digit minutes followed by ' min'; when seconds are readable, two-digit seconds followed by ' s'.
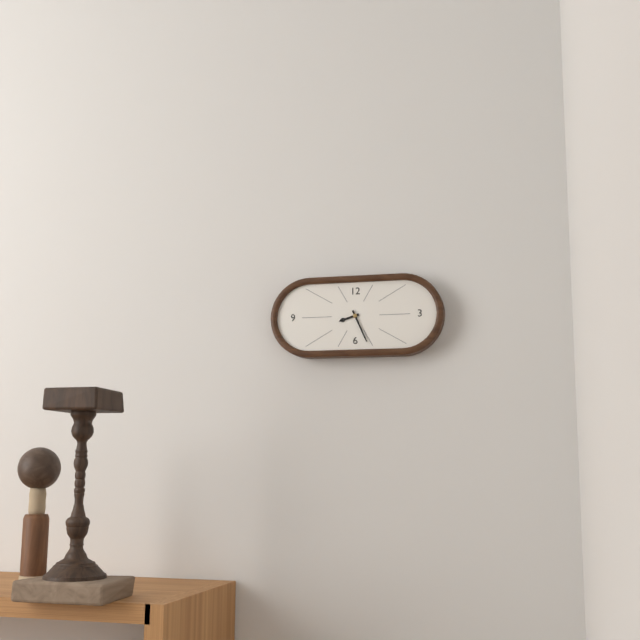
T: 8 h 26 min
